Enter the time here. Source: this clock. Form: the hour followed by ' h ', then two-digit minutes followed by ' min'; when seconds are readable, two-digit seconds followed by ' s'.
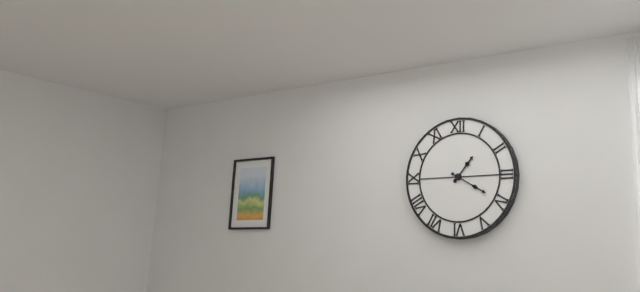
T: 1 h 20 min
